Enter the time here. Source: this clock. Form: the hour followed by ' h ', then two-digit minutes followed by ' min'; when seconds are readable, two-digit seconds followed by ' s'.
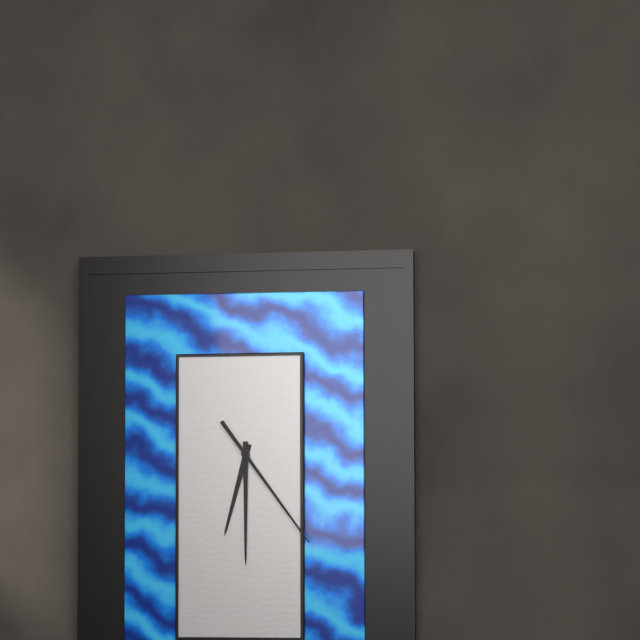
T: 6 h 30 min 24 s
